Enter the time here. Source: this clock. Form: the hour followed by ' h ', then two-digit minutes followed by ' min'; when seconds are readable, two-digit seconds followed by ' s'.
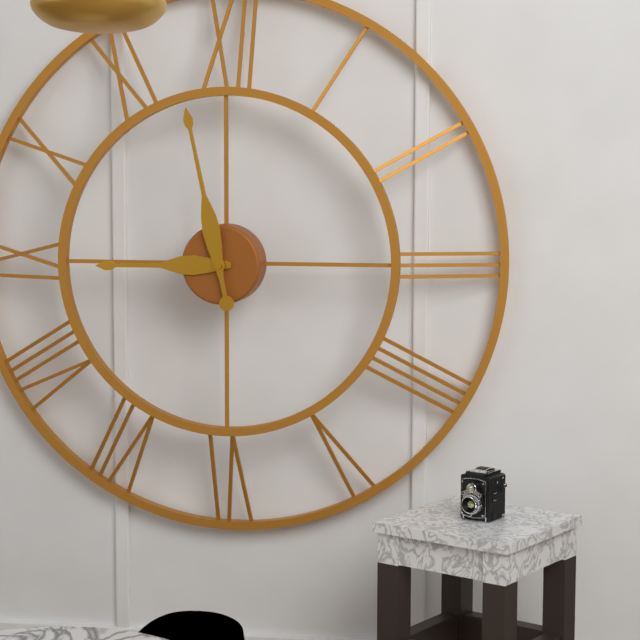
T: 8 h 58 min
